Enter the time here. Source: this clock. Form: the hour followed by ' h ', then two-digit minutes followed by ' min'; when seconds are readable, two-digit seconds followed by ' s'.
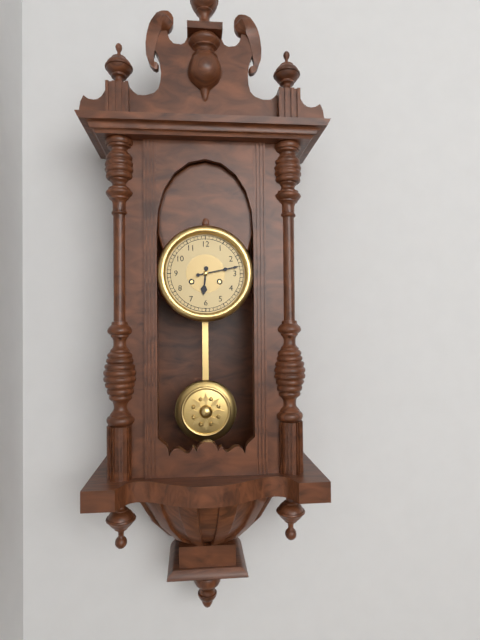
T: 6 h 13 min
